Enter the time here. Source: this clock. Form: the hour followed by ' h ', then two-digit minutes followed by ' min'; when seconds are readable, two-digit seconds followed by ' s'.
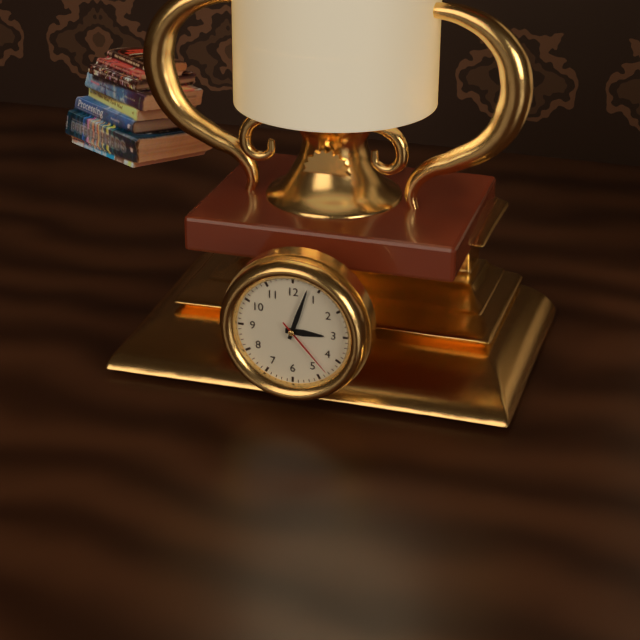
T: 3 h 03 min 23 s
